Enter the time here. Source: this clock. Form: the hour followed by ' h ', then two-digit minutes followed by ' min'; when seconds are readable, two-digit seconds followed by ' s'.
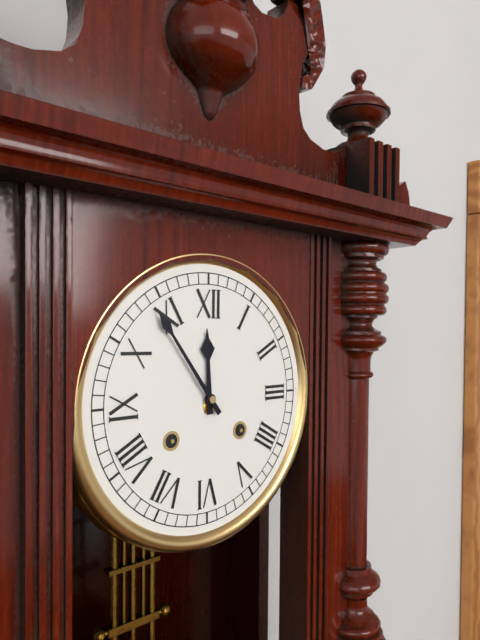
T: 11 h 54 min
